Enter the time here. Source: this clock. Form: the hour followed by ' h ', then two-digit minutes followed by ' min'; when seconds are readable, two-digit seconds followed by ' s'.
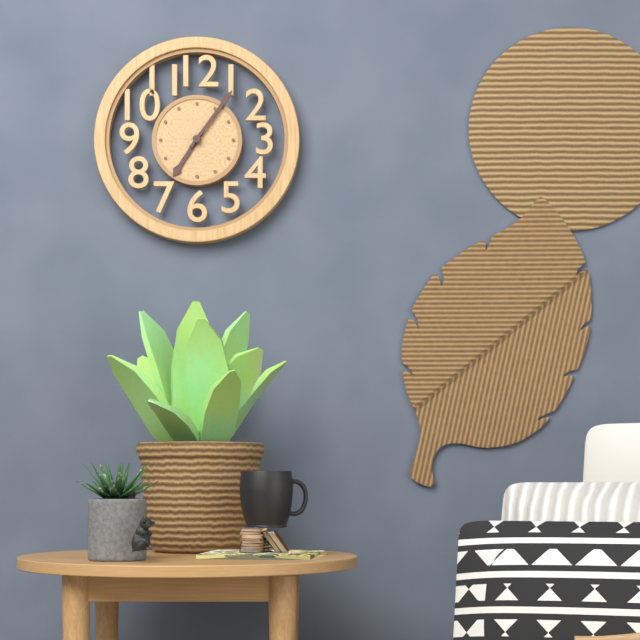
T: 7 h 06 min
